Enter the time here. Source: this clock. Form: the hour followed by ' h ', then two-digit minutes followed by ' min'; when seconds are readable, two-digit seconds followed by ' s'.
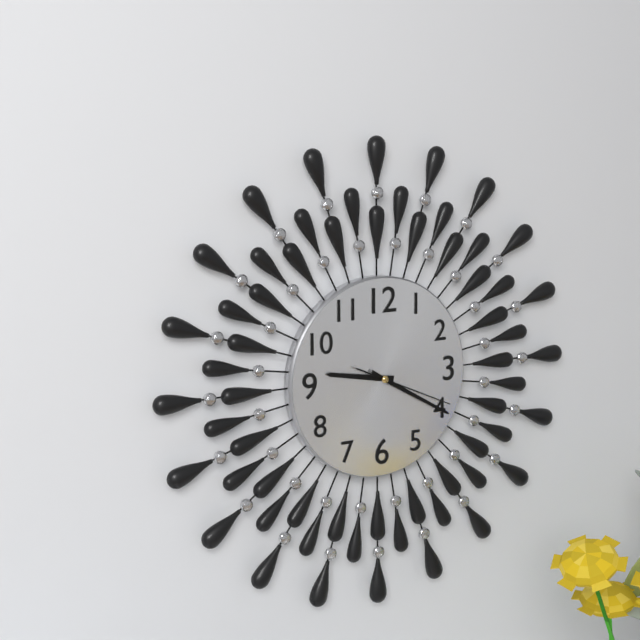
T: 9 h 20 min 19 s
